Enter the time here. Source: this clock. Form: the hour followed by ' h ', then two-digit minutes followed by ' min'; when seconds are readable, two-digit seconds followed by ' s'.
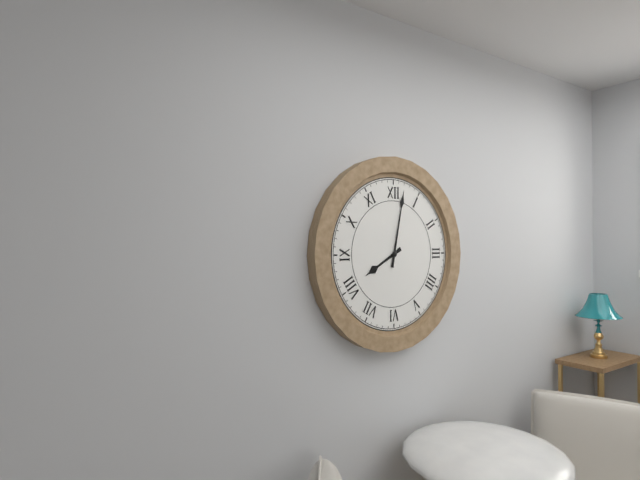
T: 8 h 02 min
